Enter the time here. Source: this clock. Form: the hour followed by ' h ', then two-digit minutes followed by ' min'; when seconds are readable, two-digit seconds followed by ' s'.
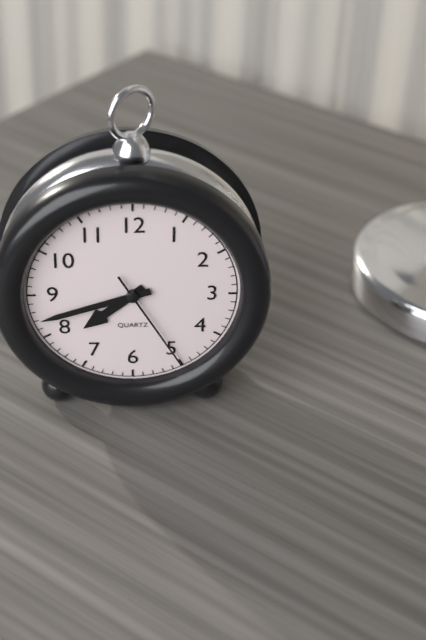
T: 7 h 42 min 25 s
